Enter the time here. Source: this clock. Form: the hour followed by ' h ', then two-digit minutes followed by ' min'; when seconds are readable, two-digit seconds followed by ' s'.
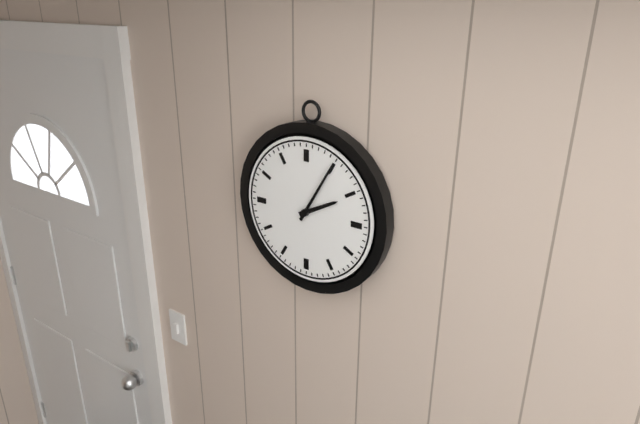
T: 2 h 05 min
